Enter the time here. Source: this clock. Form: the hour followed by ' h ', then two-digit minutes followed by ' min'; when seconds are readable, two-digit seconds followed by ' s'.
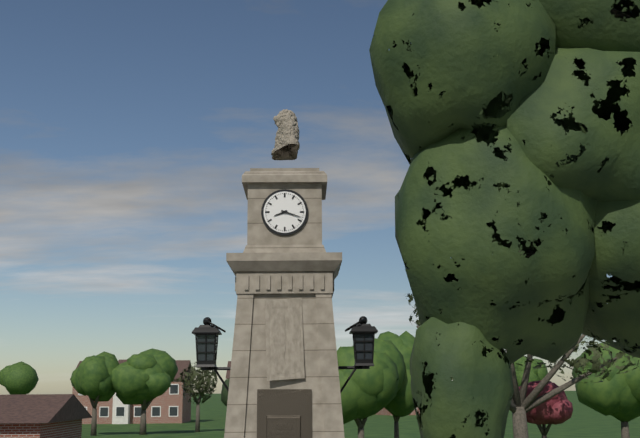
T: 8 h 18 min
